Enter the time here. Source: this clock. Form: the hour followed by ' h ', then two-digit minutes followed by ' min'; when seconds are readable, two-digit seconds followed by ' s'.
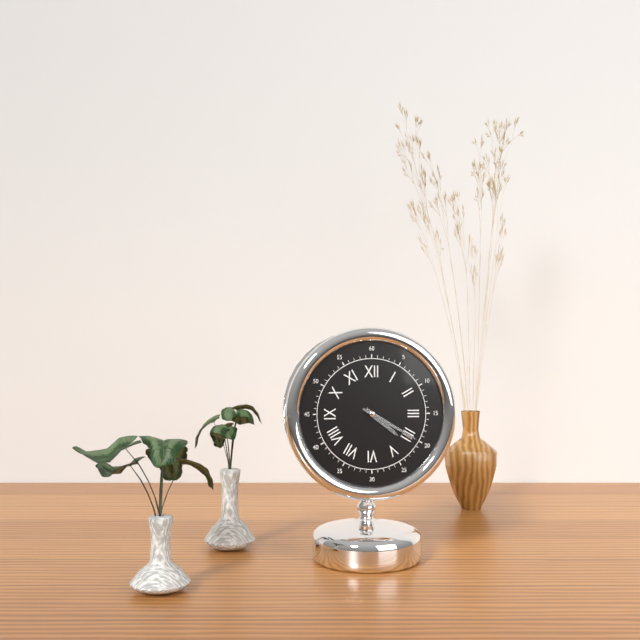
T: 4 h 20 min
